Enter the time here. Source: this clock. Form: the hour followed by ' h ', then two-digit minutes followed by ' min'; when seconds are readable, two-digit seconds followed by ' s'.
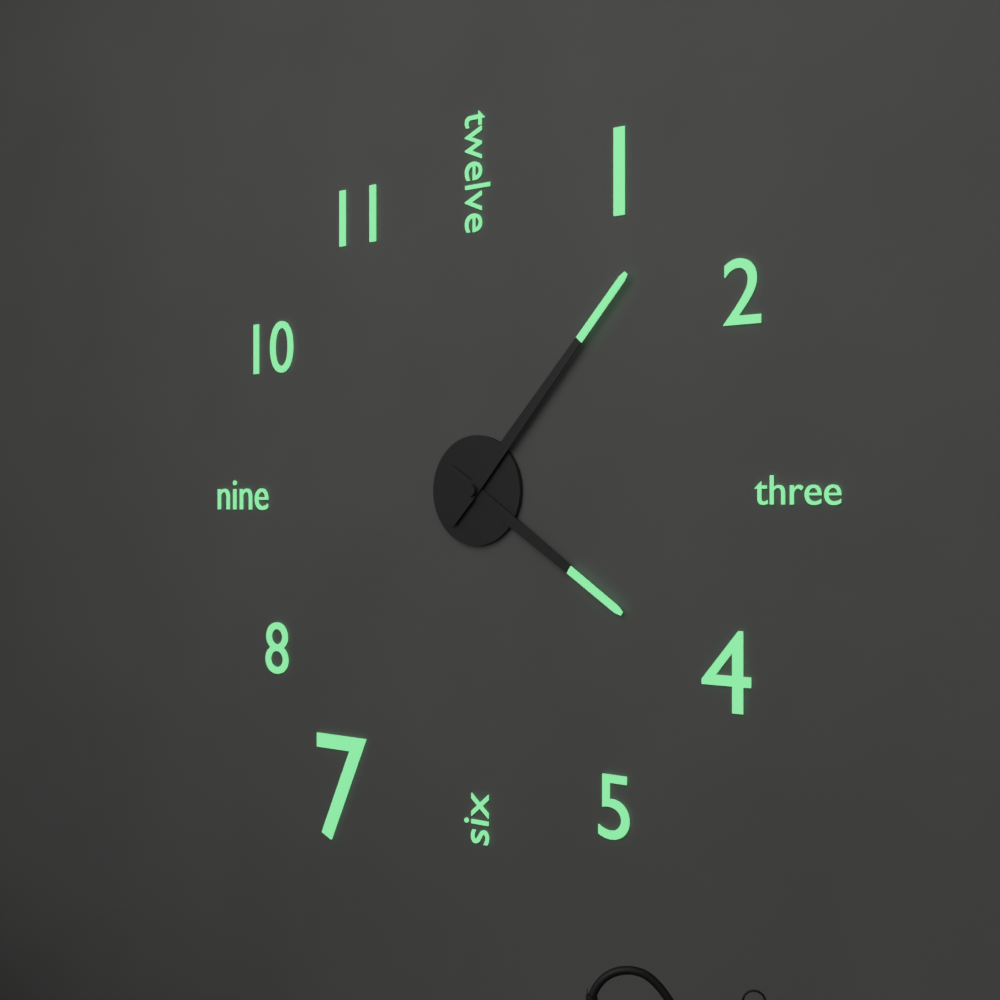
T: 4 h 07 min
